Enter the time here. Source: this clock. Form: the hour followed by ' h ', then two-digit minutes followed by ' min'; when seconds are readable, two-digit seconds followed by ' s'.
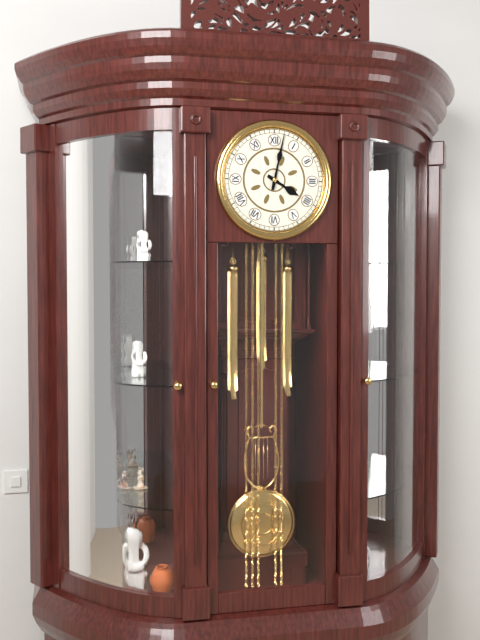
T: 4 h 02 min
